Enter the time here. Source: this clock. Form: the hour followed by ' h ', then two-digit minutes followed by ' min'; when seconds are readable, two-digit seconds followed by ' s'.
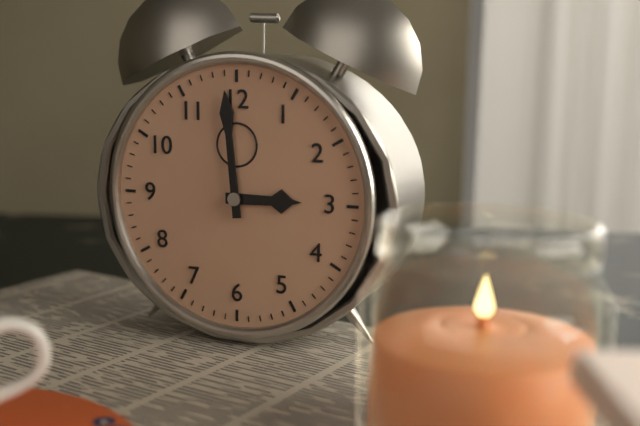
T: 2 h 59 min
